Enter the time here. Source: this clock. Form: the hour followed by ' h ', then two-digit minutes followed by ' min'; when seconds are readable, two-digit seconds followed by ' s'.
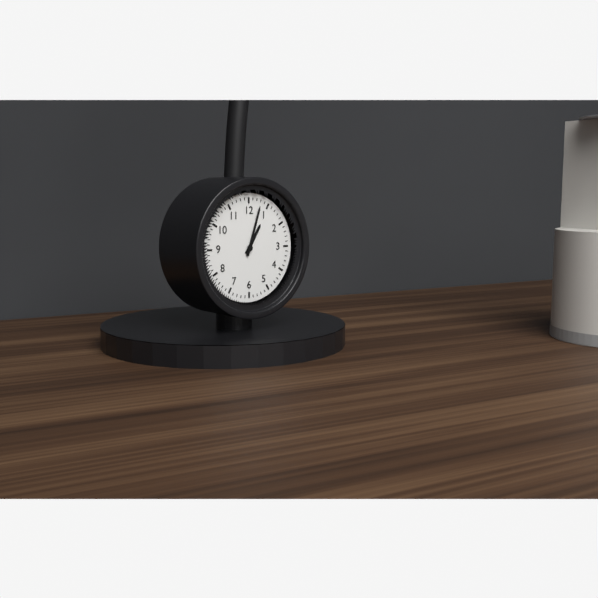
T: 1 h 03 min
